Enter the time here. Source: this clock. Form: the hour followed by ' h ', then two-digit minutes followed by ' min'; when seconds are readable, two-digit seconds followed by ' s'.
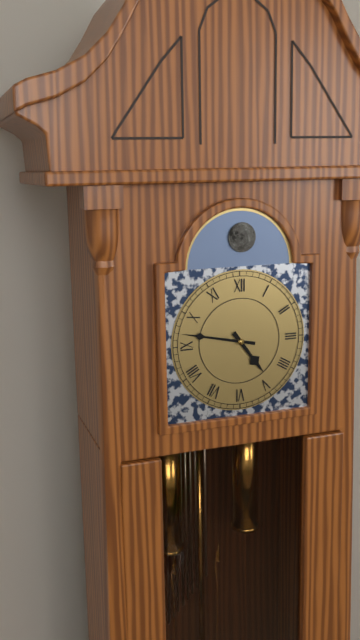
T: 4 h 47 min
